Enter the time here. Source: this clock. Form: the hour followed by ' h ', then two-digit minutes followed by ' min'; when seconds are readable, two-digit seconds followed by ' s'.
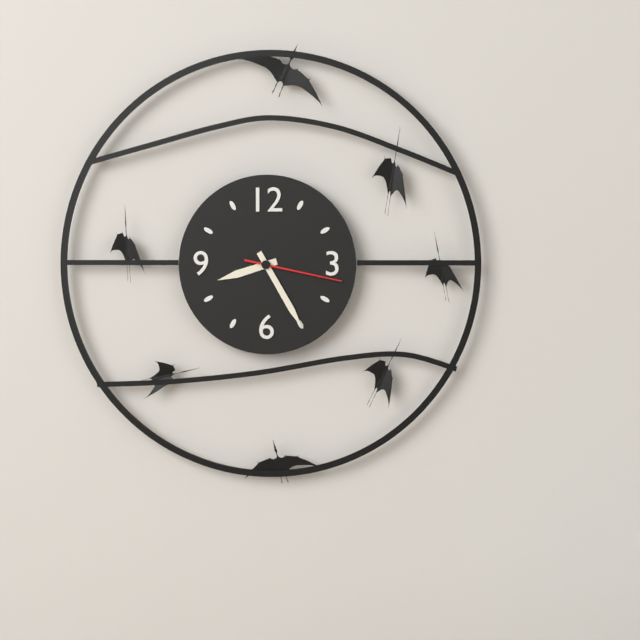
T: 8 h 25 min 17 s
